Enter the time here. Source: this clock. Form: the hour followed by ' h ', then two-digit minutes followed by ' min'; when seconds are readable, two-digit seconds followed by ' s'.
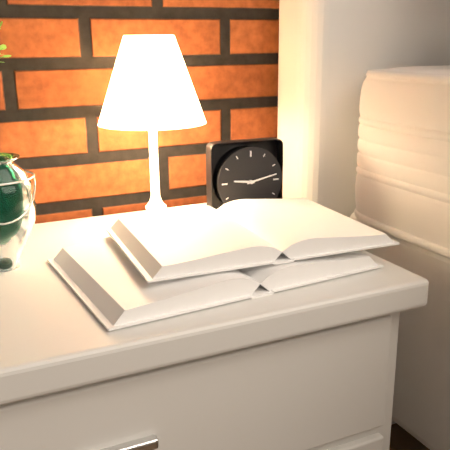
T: 9 h 13 min
